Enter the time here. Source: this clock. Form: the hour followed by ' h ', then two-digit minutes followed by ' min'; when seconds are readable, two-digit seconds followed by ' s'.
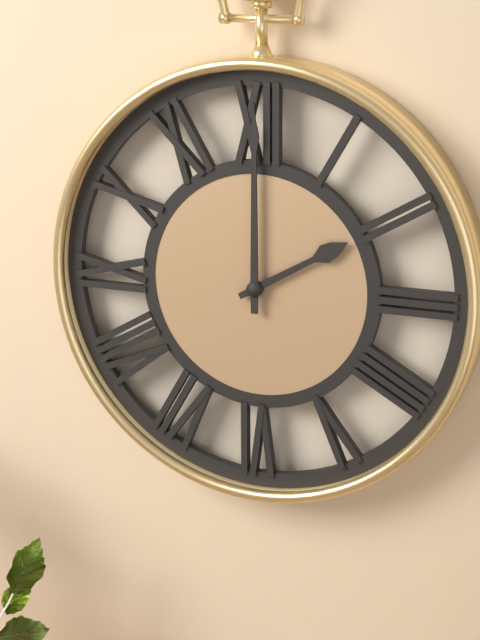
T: 2 h 00 min
